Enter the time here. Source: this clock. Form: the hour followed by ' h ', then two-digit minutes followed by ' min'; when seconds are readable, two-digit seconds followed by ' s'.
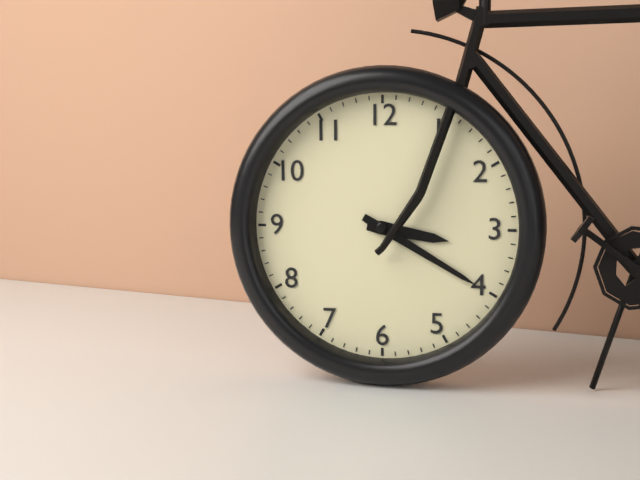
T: 3 h 20 min
